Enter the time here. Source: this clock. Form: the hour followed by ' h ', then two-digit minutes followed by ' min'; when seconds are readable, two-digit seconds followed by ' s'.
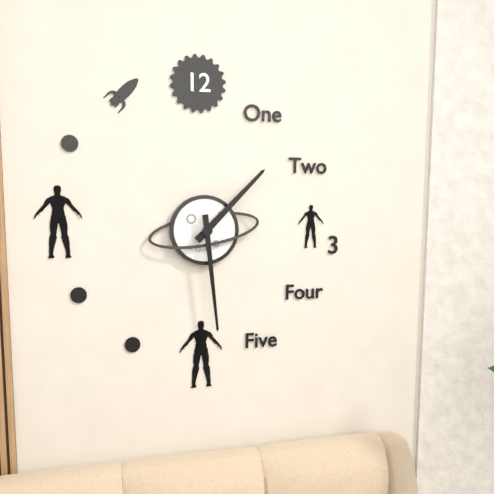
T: 1 h 29 min
